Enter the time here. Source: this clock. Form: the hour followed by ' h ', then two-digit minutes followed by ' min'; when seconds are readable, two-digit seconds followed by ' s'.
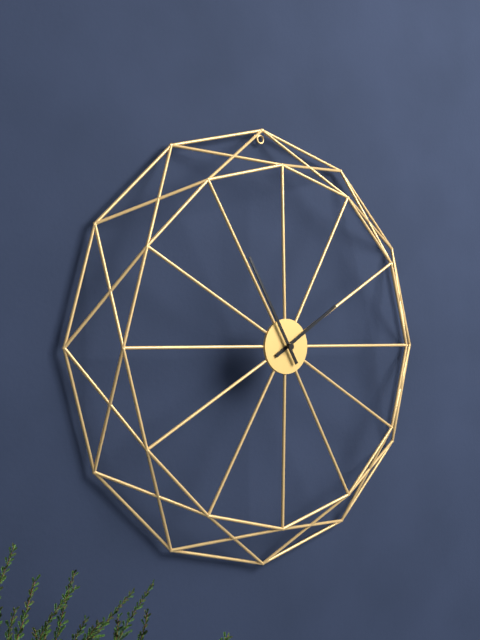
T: 1 h 55 min
